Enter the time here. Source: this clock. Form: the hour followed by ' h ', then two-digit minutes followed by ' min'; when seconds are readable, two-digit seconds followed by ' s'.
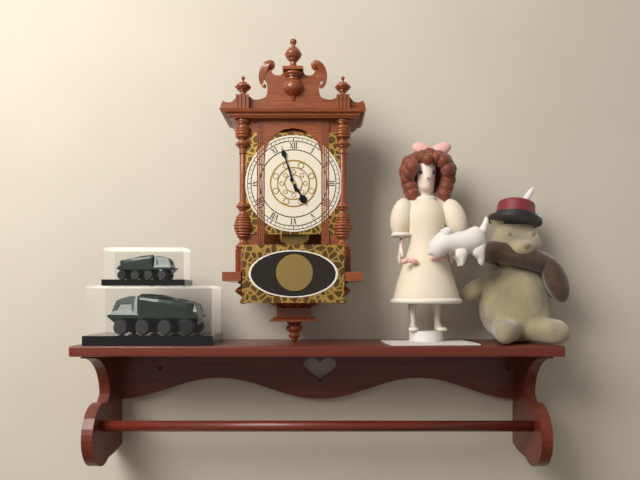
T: 4 h 57 min
